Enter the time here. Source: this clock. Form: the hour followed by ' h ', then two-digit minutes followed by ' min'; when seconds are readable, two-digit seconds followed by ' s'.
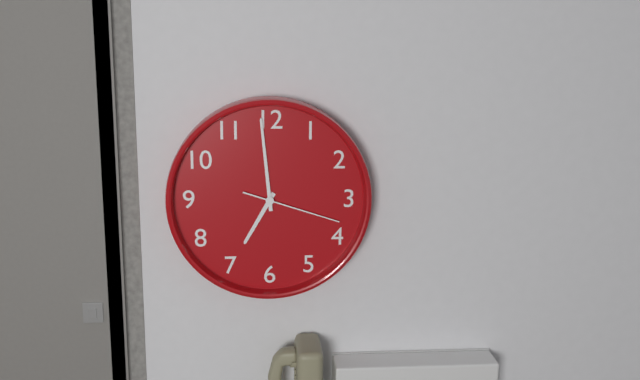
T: 6 h 59 min 18 s
